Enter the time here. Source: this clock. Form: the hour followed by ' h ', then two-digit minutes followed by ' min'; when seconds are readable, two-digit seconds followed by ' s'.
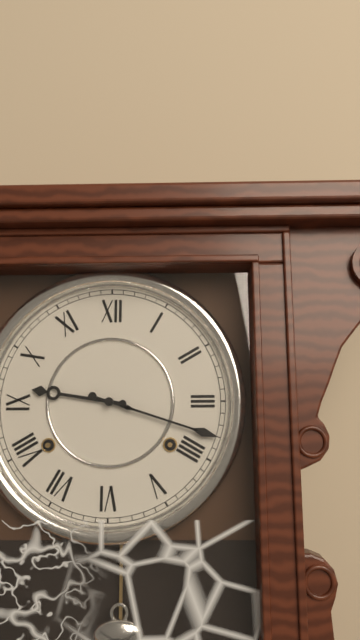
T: 9 h 18 min
